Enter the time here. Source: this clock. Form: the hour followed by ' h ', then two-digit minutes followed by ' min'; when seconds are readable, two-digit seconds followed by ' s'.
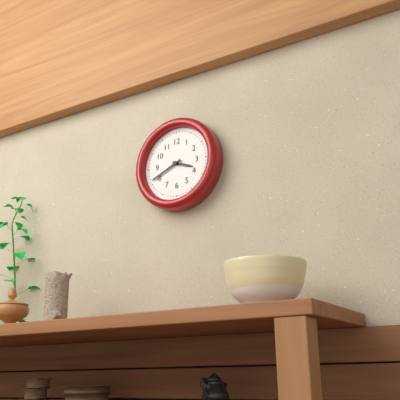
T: 3 h 41 min
